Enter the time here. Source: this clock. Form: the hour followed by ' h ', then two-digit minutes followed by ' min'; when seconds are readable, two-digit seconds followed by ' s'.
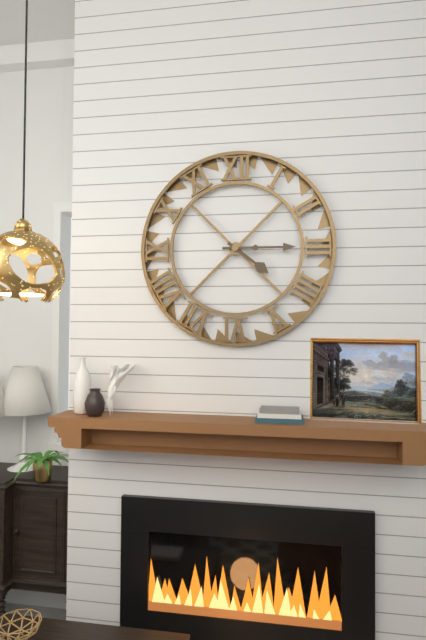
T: 4 h 15 min
